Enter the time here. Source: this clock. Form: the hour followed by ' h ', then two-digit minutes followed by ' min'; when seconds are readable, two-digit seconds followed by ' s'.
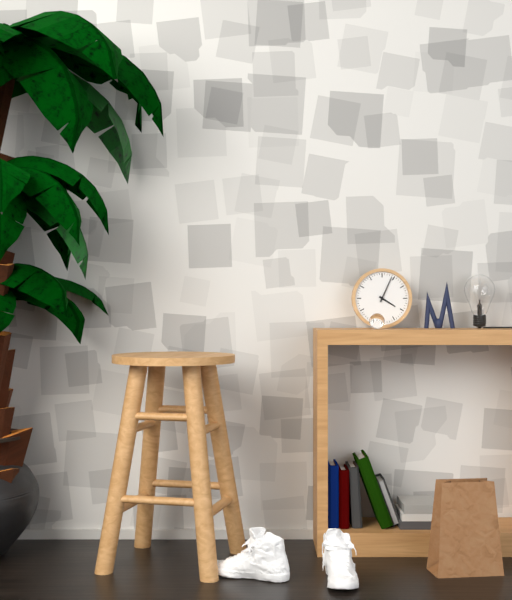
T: 4 h 04 min
